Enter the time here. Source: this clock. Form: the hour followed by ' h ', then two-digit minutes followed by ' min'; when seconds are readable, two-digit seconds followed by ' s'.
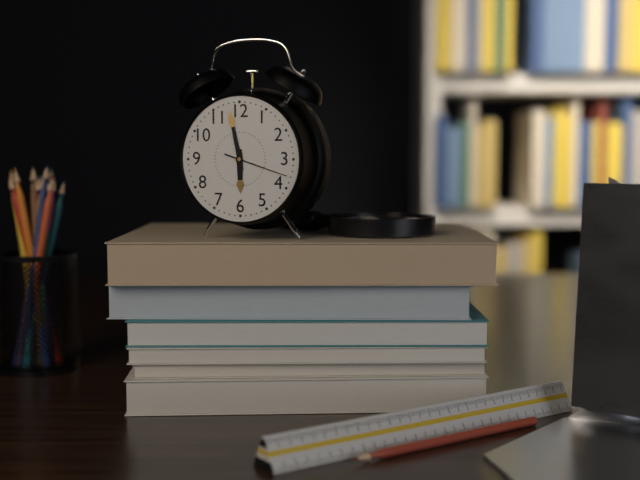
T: 5 h 58 min 18 s
